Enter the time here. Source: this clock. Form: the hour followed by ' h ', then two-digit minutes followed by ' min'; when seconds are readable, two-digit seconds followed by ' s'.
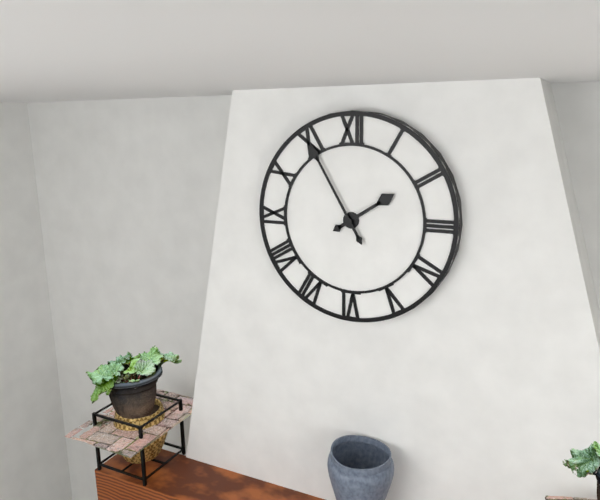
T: 1 h 55 min
